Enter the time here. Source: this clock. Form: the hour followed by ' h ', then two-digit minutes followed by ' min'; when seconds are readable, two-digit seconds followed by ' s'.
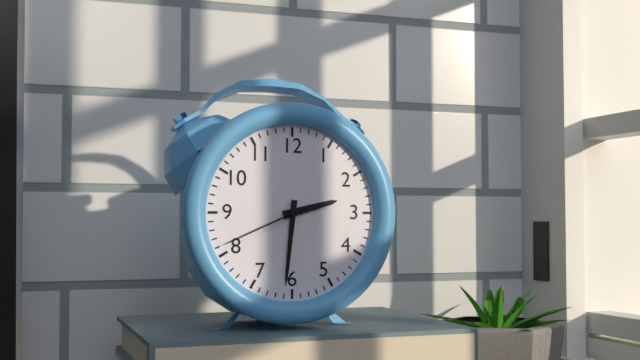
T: 2 h 31 min 41 s
